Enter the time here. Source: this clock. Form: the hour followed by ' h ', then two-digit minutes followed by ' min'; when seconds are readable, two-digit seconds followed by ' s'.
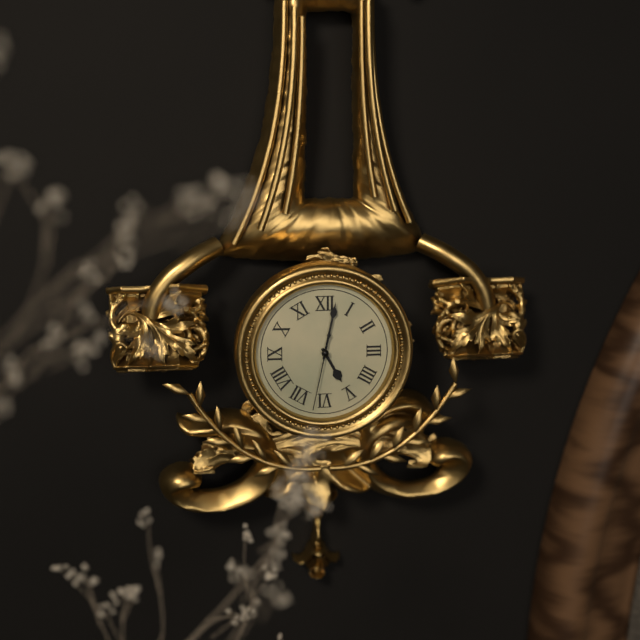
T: 5 h 02 min 32 s
